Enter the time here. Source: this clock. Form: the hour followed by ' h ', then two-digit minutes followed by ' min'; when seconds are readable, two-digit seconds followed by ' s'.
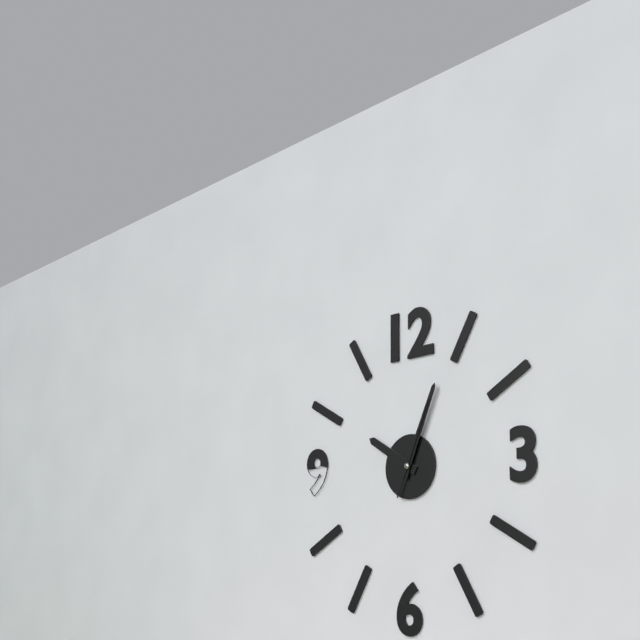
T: 10 h 04 min 04 s
